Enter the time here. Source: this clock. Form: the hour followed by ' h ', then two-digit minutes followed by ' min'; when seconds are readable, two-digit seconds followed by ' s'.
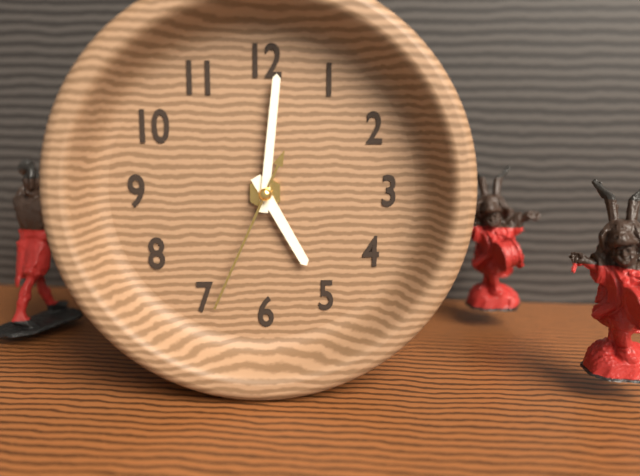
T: 5 h 01 min 34 s
